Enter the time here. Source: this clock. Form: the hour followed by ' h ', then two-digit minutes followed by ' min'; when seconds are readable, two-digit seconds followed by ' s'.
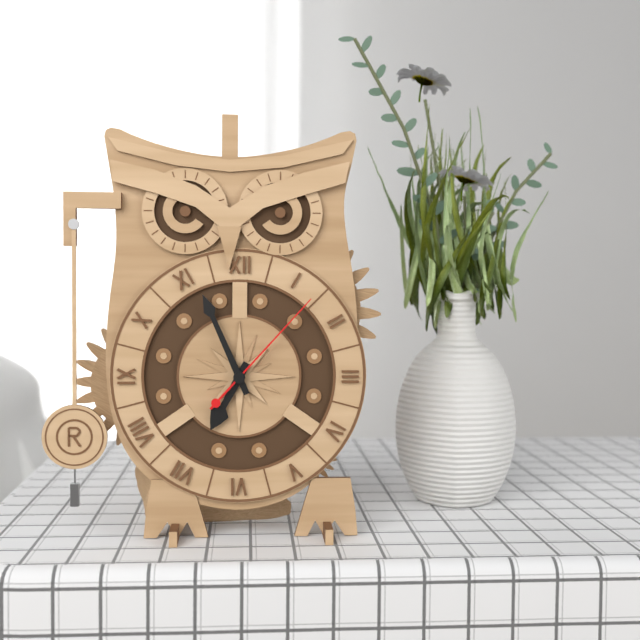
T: 6 h 56 min 07 s
